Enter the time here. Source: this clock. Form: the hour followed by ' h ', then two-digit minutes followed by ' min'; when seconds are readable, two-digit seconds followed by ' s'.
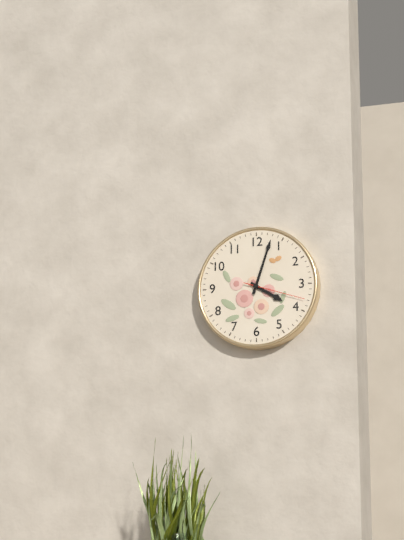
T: 4 h 03 min 18 s
